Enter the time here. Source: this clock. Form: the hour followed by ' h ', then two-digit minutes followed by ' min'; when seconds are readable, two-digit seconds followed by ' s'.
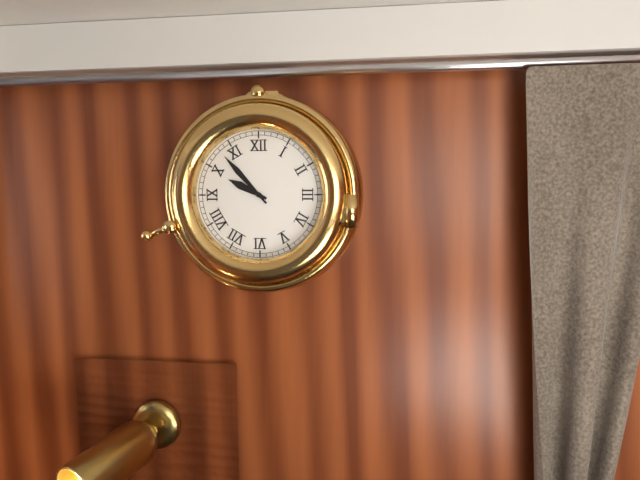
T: 9 h 53 min
